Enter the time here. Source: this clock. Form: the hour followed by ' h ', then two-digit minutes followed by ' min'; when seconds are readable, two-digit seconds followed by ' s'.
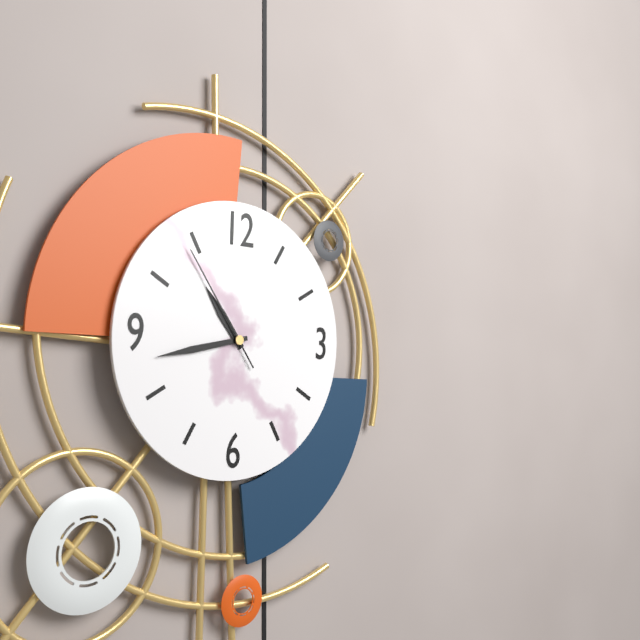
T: 10 h 43 min 54 s
